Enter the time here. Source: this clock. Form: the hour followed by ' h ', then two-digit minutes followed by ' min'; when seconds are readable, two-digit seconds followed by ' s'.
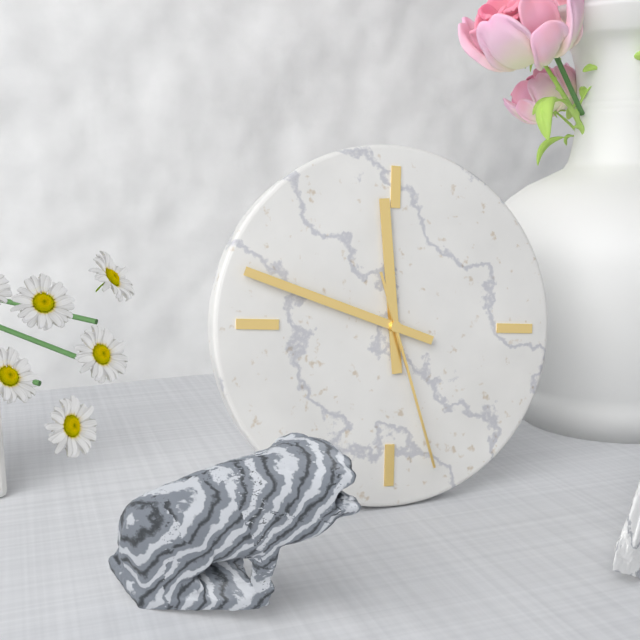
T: 11 h 48 min 27 s
